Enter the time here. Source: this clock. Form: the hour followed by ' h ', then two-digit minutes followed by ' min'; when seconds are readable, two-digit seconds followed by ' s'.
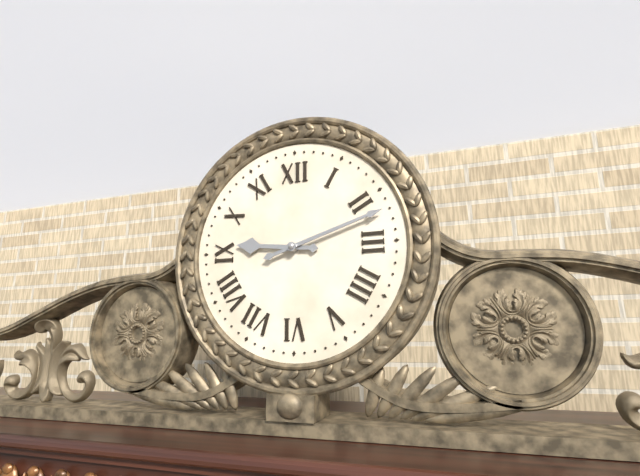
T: 9 h 12 min
